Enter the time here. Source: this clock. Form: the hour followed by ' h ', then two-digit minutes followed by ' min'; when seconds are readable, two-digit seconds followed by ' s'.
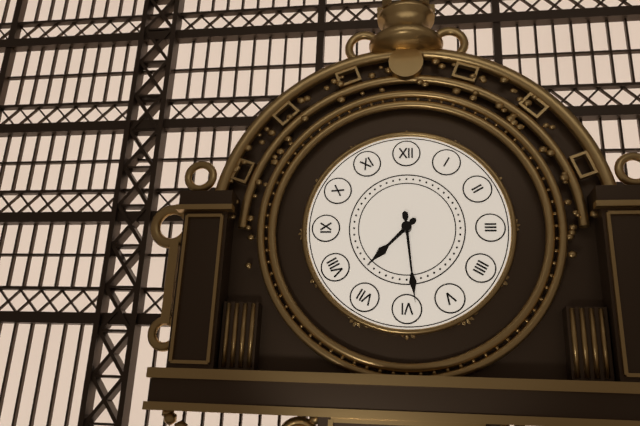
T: 7 h 29 min
